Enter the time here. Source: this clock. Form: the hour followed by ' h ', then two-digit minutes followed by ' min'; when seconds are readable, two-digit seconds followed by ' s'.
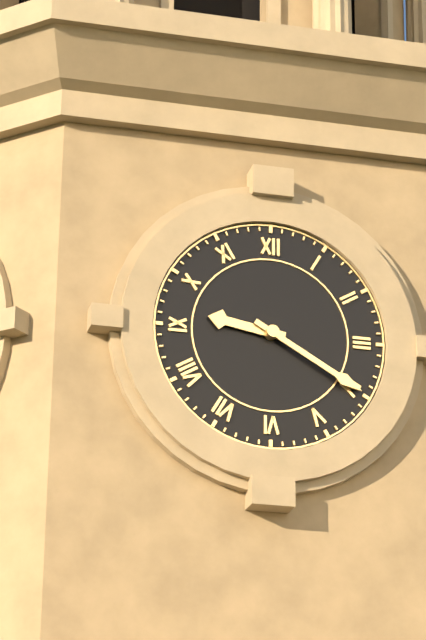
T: 9 h 20 min
